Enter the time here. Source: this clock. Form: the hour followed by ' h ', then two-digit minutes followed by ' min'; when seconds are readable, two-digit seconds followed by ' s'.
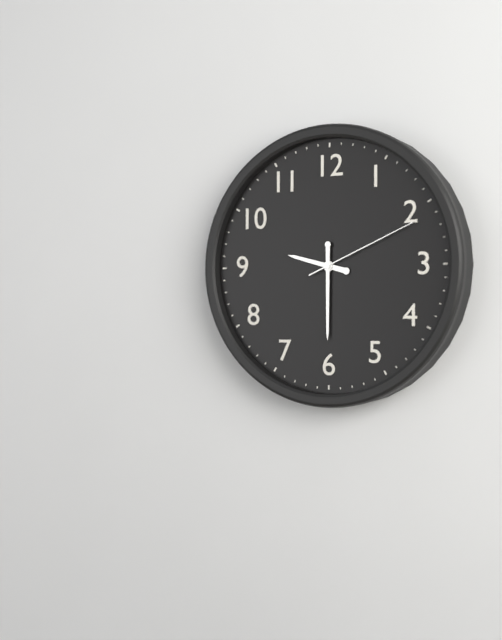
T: 9 h 30 min 11 s
